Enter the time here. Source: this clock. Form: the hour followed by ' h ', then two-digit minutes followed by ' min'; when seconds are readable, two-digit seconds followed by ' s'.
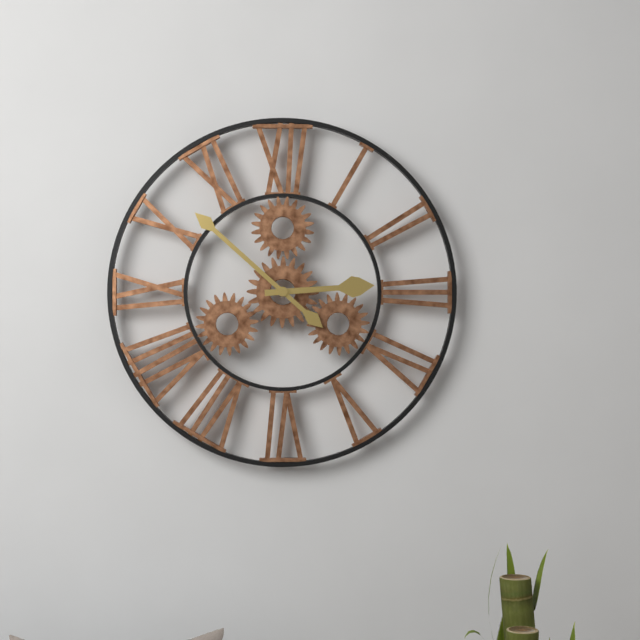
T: 2 h 52 min
